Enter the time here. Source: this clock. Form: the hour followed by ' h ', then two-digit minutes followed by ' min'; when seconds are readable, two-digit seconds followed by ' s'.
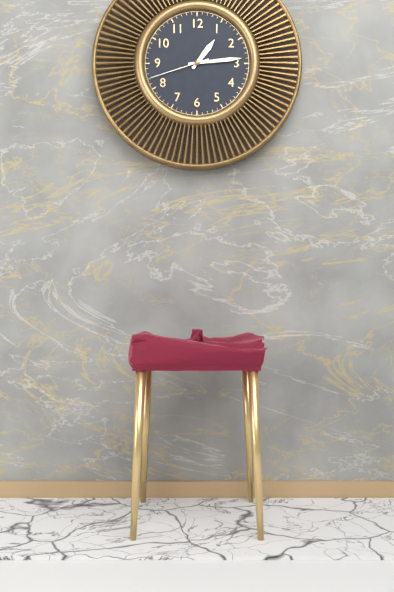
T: 1 h 14 min 42 s
